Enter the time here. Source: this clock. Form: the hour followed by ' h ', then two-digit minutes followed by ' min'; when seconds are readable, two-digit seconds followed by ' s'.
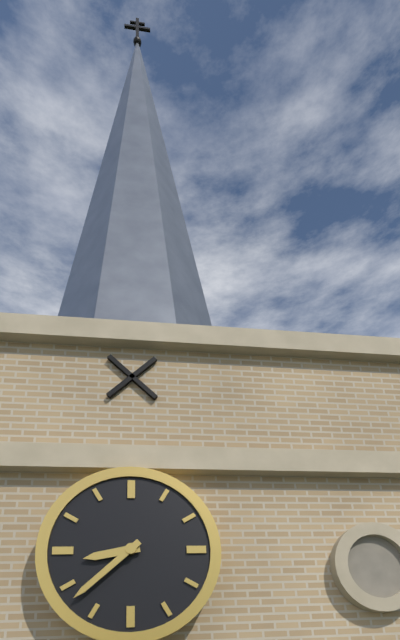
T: 8 h 38 min
